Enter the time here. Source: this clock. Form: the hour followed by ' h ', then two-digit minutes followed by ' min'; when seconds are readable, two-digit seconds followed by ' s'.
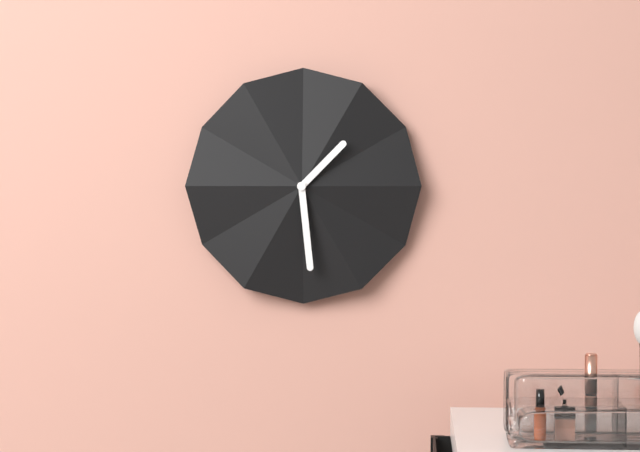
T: 1 h 29 min
